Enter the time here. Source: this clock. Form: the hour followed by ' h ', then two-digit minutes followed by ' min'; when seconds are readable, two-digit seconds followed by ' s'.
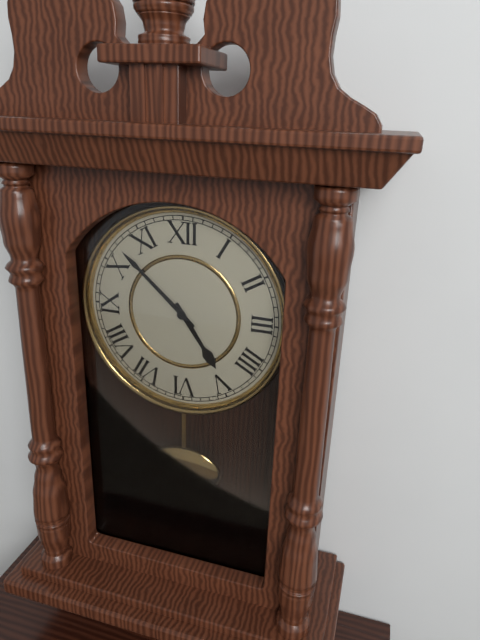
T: 4 h 52 min
